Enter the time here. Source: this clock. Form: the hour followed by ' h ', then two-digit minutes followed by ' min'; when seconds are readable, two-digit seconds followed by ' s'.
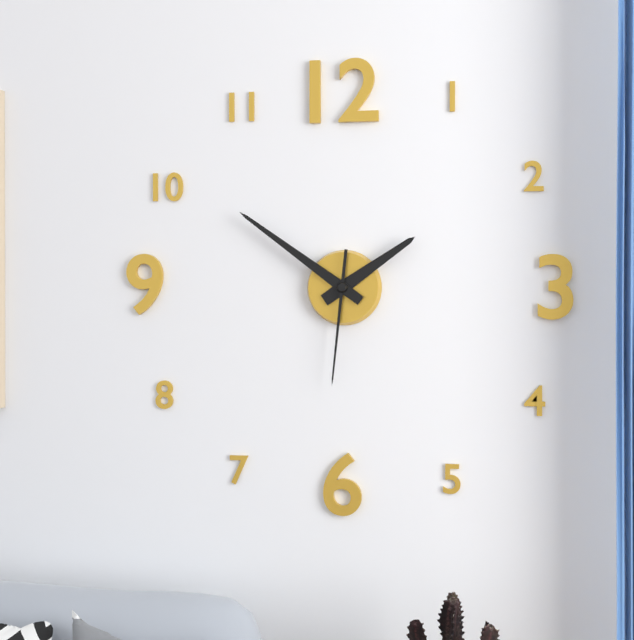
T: 1 h 51 min 31 s
